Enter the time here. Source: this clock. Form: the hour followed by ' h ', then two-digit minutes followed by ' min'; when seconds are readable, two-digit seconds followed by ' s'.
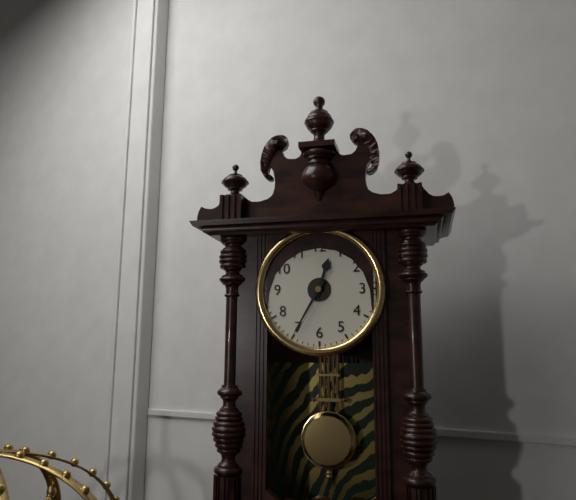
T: 12 h 35 min
